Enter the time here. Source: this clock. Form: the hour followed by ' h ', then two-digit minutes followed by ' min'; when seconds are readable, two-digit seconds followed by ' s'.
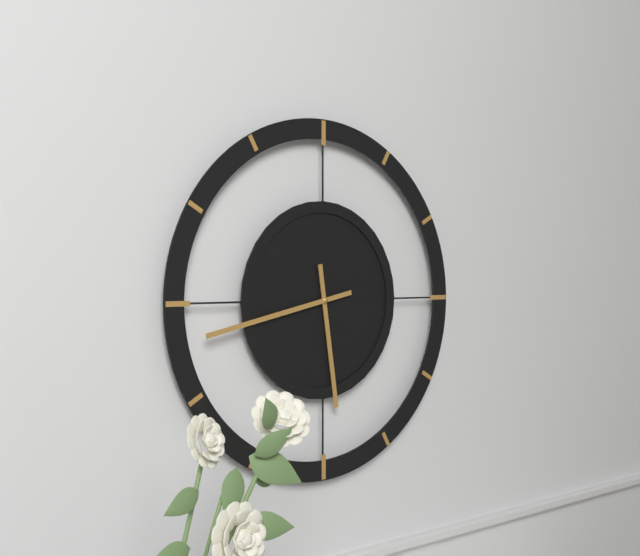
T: 5 h 43 min
